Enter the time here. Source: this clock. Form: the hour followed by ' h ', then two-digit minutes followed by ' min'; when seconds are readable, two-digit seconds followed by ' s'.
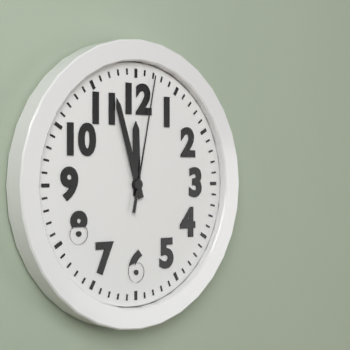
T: 11 h 57 min 02 s
